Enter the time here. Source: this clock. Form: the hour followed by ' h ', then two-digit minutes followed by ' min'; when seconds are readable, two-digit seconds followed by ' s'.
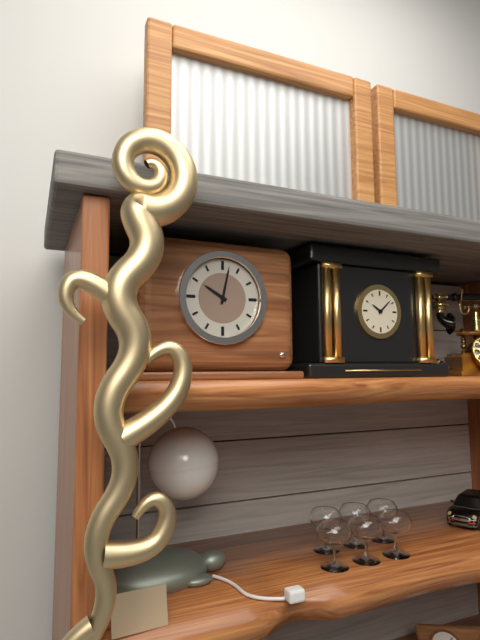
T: 10 h 02 min
